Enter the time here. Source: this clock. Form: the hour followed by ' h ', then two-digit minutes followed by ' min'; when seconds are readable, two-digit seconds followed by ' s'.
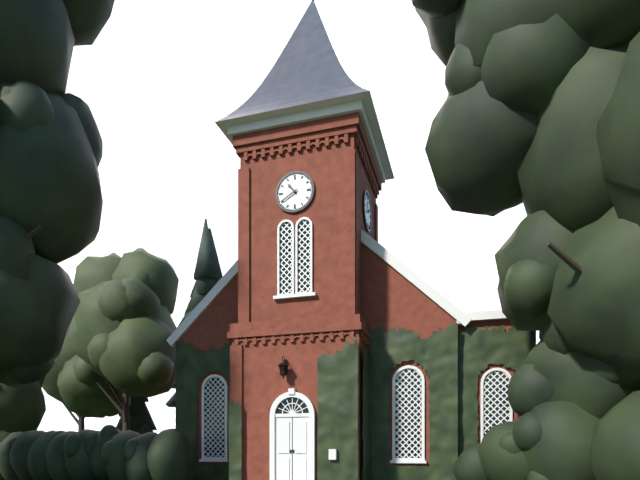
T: 10 h 40 min
